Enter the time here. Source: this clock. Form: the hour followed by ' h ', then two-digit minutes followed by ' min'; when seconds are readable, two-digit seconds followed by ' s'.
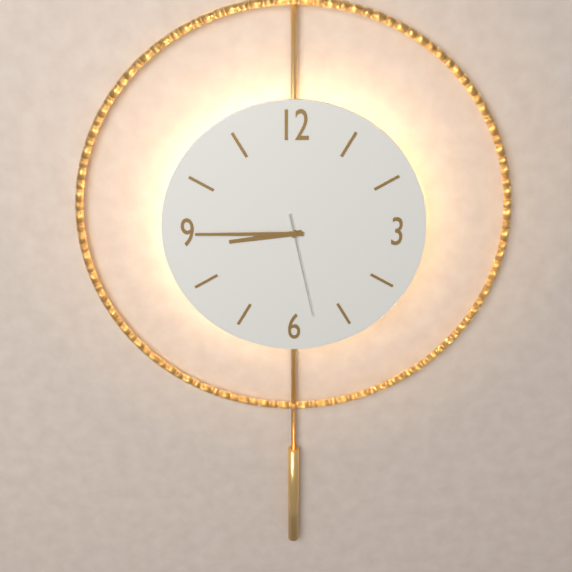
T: 8 h 45 min 28 s
